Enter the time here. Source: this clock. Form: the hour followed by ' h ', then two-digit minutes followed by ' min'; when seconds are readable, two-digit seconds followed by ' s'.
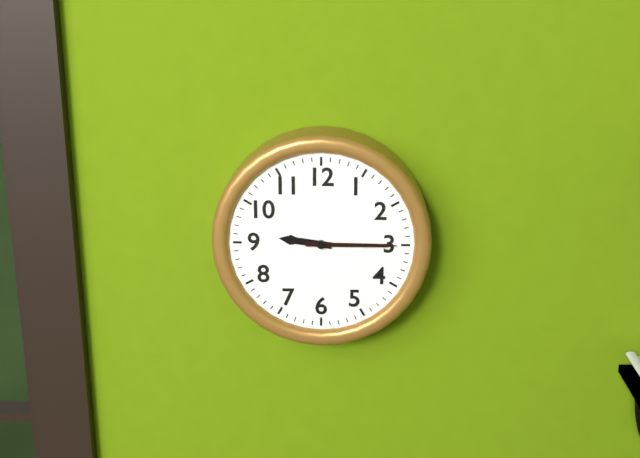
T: 9 h 15 min
